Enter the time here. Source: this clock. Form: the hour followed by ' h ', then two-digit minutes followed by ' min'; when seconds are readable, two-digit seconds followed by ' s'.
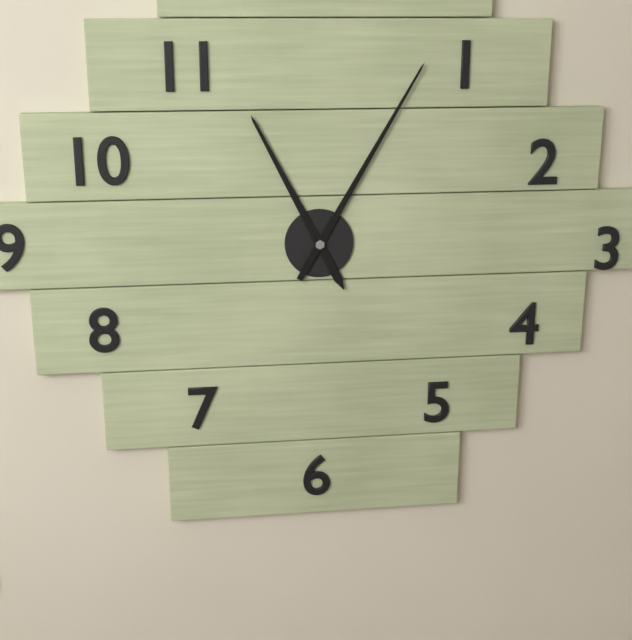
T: 11 h 05 min
